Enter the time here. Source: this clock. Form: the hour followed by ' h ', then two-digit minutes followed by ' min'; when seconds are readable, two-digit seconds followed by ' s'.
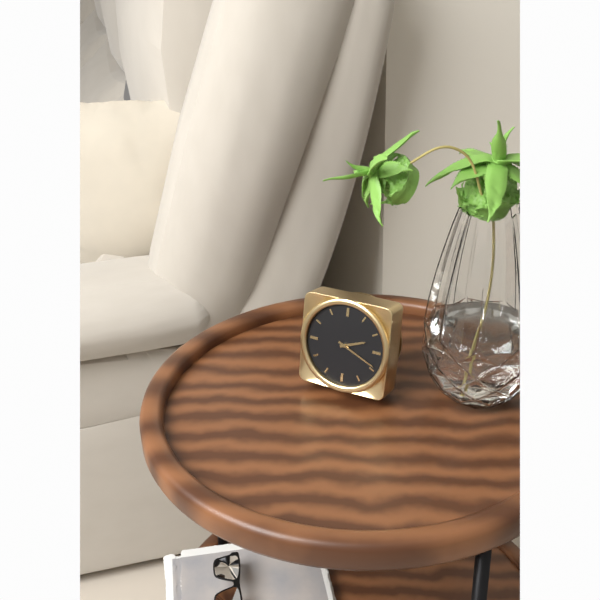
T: 2 h 19 min
